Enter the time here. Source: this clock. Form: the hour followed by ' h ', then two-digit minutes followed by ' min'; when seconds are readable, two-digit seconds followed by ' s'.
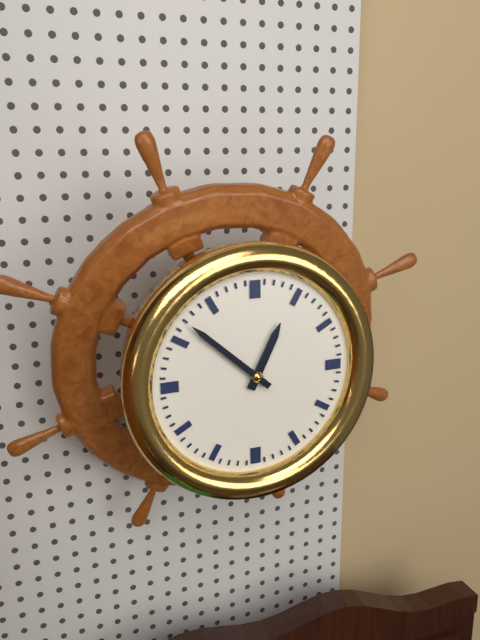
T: 12 h 52 min
